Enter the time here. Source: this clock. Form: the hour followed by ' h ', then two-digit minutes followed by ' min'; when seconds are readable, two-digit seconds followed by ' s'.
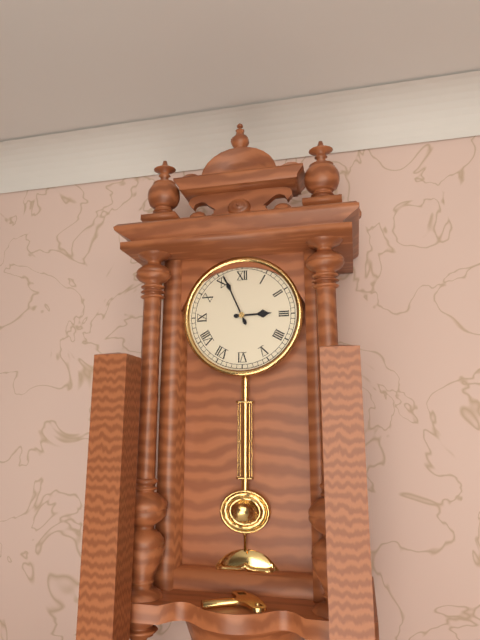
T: 2 h 56 min
